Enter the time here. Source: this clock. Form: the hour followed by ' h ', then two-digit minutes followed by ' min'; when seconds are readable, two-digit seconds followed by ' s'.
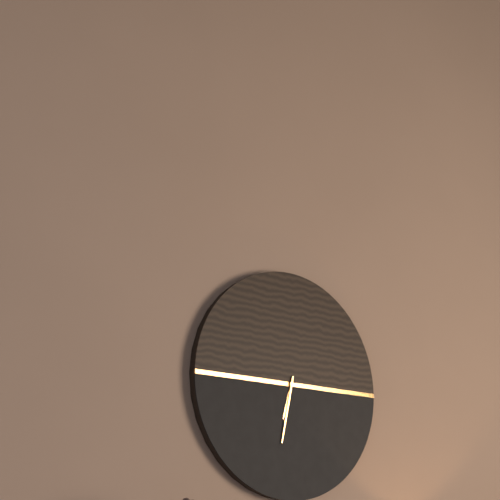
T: 6 h 32 min
